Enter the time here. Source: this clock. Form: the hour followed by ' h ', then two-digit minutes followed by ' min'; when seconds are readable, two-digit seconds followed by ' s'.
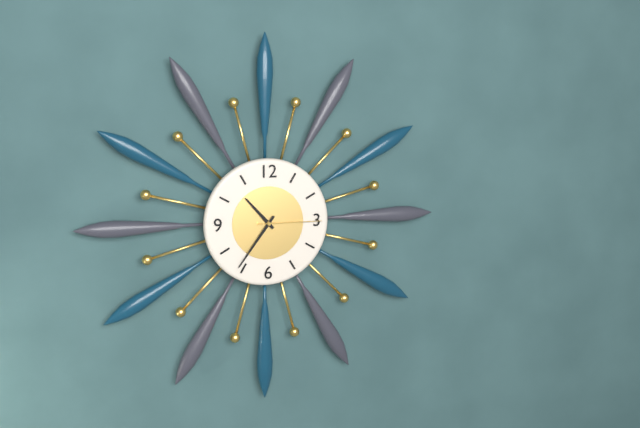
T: 10 h 36 min 15 s
